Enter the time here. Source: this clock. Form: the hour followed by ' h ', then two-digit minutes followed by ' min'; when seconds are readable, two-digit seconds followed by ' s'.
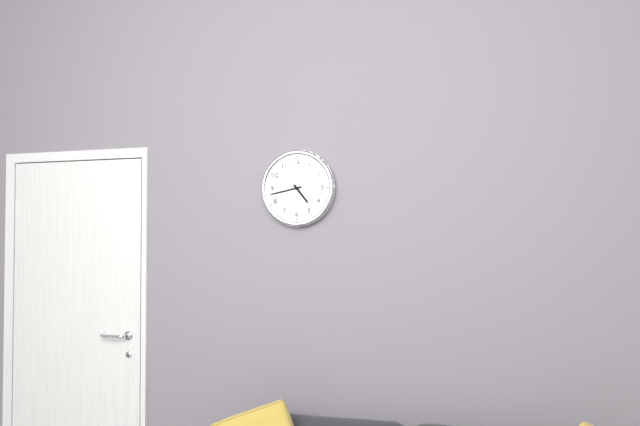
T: 4 h 43 min
